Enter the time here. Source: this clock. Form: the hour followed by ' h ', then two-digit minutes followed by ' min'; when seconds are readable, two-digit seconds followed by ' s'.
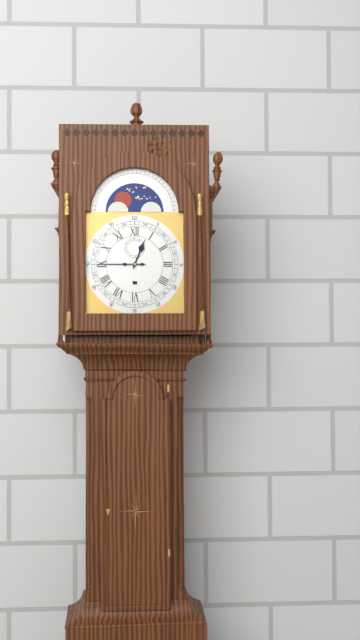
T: 12 h 45 min
